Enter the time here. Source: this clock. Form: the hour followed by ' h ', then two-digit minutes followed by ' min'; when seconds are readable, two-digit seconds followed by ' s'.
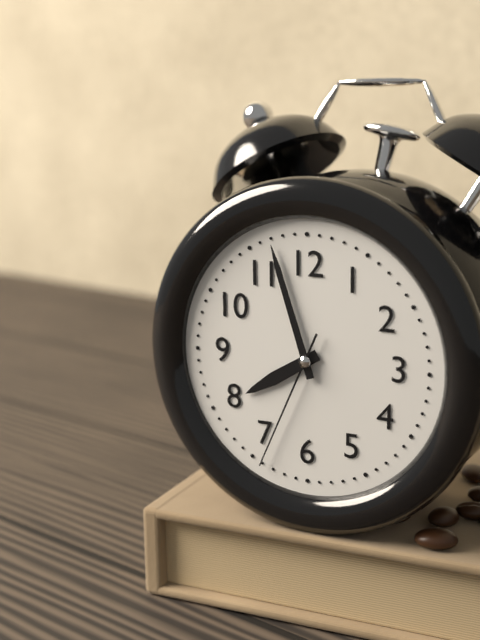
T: 7 h 57 min 34 s
